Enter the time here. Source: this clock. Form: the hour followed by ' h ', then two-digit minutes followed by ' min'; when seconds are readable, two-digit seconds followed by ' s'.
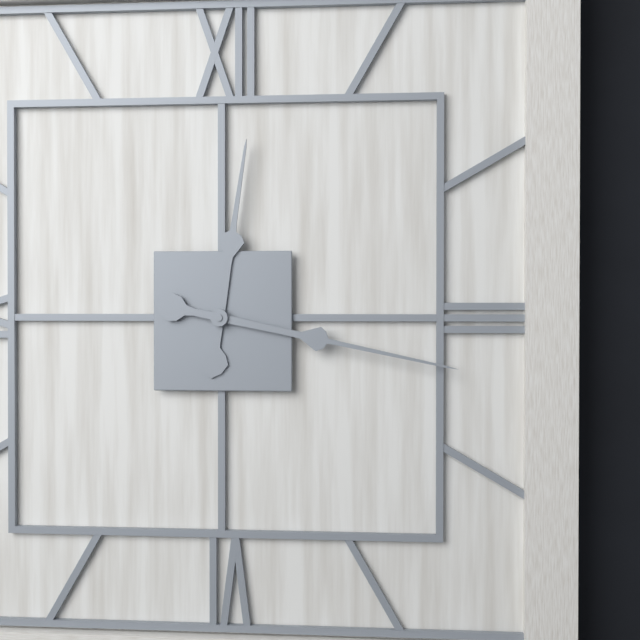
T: 12 h 17 min
